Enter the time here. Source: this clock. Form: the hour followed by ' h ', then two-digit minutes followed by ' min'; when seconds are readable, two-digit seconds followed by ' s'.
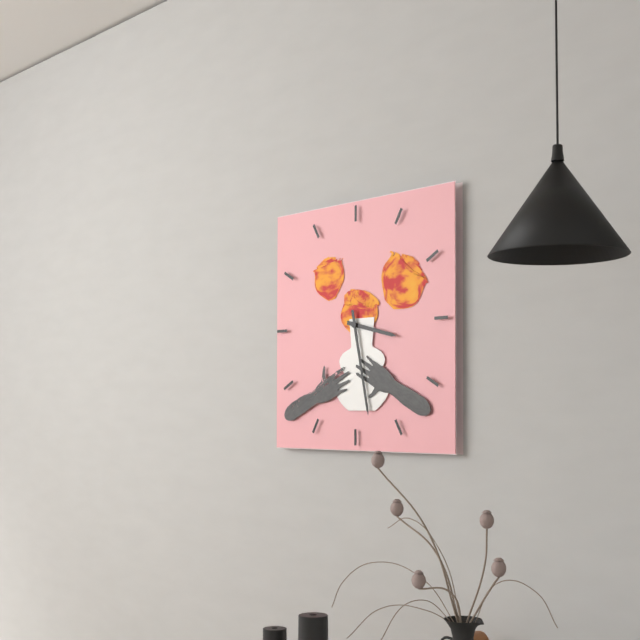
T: 3 h 28 min
